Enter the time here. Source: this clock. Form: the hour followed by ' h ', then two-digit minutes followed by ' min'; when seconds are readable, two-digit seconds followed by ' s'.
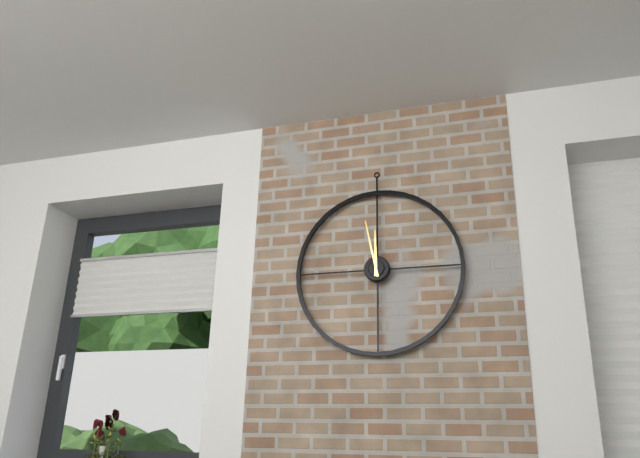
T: 11 h 58 min
